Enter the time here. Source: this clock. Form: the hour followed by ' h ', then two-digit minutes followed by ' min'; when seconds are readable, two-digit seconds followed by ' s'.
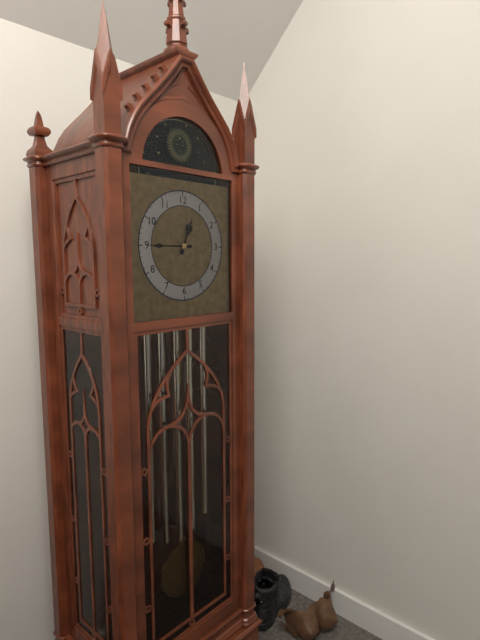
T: 12 h 45 min
